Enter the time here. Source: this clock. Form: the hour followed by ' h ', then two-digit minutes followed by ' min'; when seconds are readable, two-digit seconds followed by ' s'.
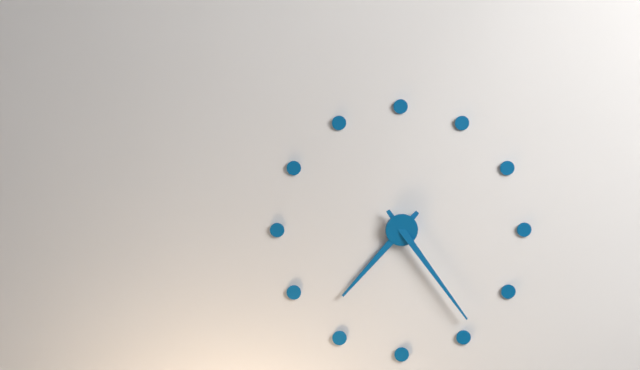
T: 7 h 24 min
